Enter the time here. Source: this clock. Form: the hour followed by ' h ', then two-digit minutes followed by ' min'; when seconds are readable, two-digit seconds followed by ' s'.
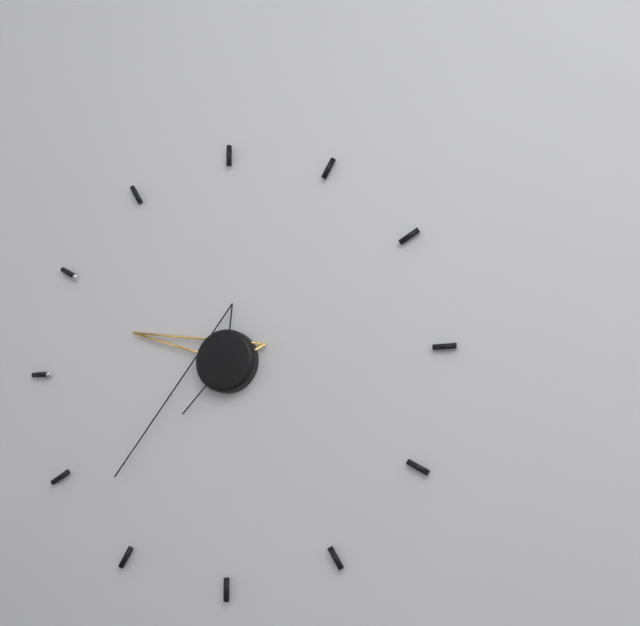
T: 9 h 38 min
